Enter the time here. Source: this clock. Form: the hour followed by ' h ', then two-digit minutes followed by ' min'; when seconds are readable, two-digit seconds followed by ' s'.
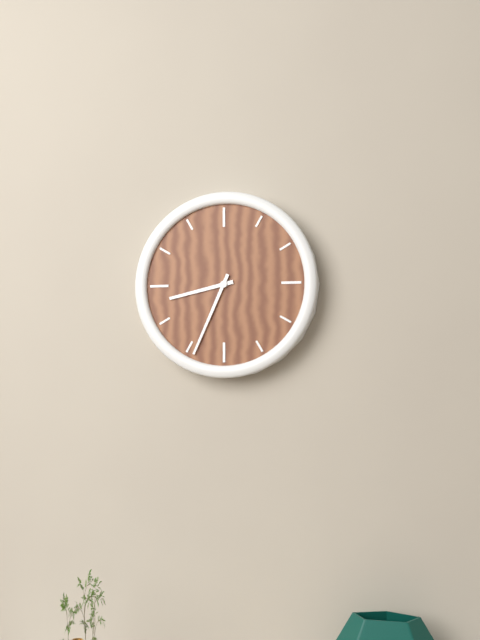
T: 8 h 34 min
